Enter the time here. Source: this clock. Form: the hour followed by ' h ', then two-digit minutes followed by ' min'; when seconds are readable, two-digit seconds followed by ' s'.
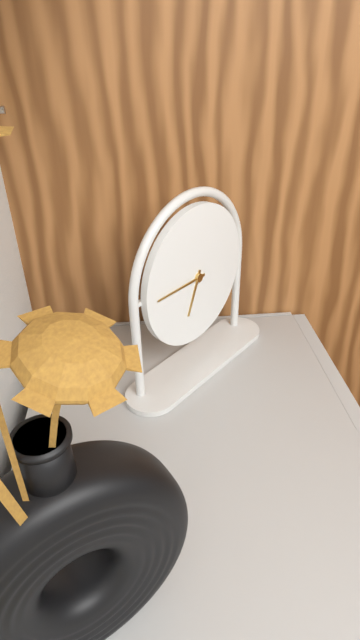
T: 6 h 45 min
